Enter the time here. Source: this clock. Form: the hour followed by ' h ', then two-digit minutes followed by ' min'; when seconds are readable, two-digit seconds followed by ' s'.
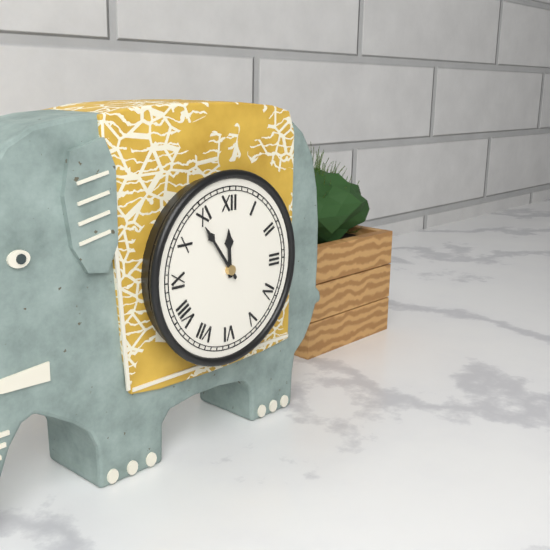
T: 11 h 54 min
